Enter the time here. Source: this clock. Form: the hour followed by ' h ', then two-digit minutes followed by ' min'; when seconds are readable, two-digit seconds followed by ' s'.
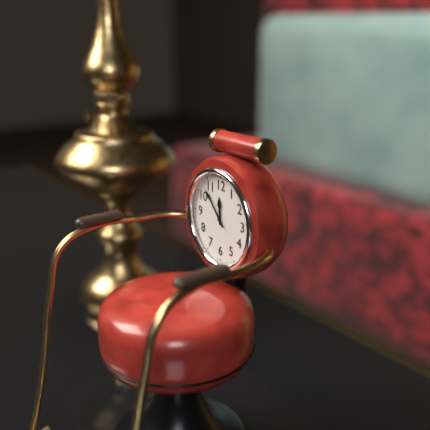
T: 11 h 53 min
